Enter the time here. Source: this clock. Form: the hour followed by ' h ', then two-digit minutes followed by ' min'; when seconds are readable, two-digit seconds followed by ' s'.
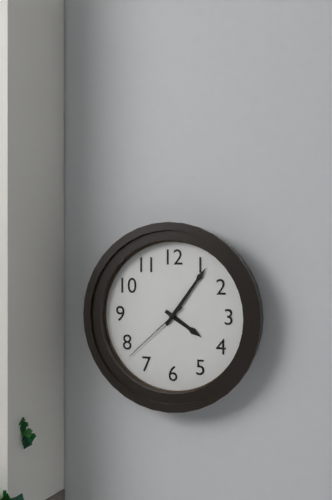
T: 4 h 06 min 38 s
